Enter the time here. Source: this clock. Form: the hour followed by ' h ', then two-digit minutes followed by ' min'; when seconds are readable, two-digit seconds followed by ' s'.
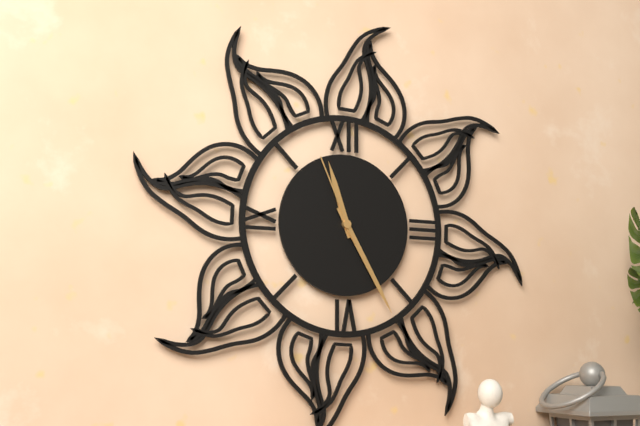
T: 11 h 25 min 56 s
